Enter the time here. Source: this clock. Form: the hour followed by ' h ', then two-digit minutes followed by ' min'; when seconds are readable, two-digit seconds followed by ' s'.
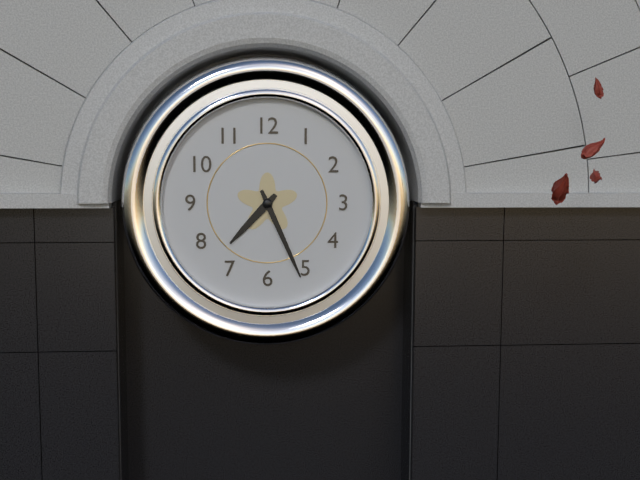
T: 7 h 26 min
